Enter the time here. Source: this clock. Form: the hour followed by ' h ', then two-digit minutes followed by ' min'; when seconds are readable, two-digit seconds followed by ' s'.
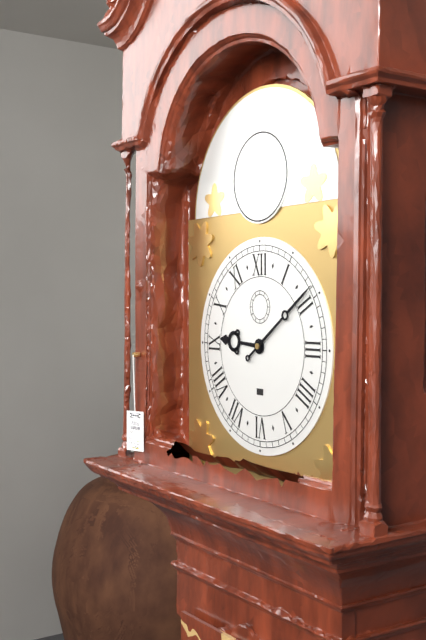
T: 9 h 09 min
